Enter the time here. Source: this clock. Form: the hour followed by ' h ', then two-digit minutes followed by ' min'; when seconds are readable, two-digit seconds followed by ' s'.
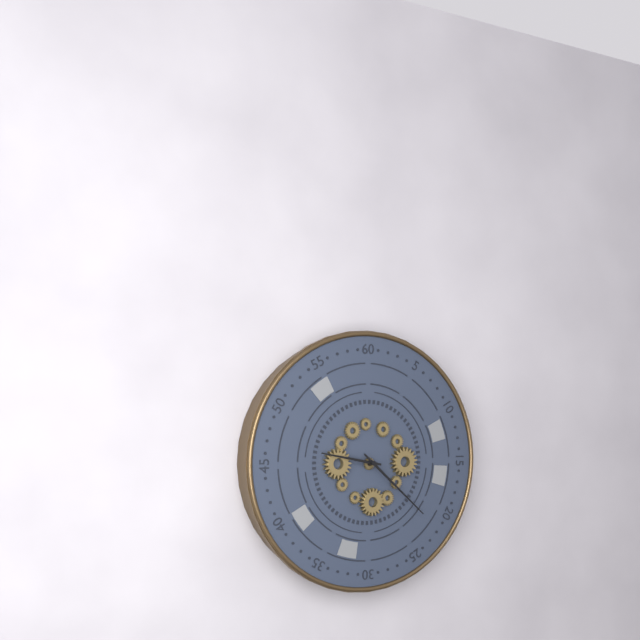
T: 9 h 22 min
